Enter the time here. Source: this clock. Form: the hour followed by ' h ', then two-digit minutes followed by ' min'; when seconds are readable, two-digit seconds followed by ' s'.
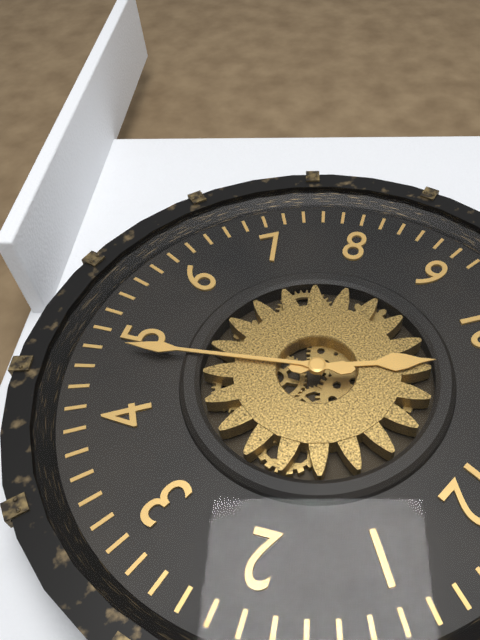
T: 10 h 24 min
